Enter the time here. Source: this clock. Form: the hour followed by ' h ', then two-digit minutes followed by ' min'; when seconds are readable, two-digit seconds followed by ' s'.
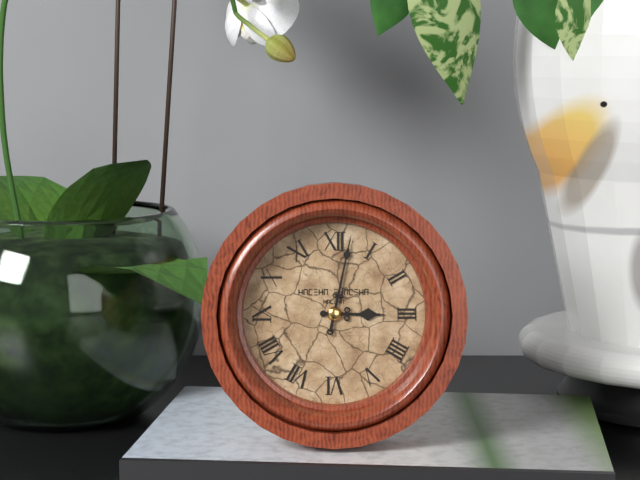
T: 3 h 02 min
